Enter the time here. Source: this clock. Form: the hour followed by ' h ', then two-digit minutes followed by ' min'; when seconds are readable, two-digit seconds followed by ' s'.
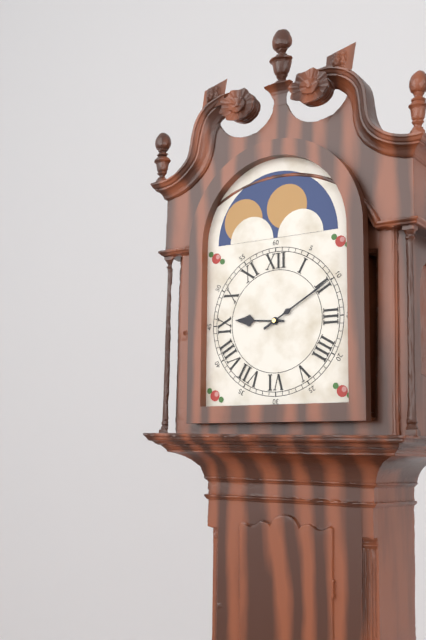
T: 9 h 10 min
